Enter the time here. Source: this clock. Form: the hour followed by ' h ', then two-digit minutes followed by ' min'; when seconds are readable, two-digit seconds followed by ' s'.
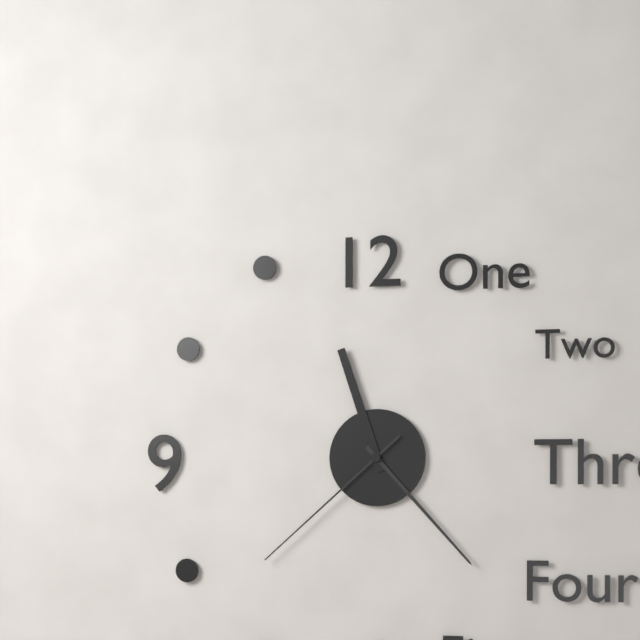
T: 11 h 23 min 38 s
